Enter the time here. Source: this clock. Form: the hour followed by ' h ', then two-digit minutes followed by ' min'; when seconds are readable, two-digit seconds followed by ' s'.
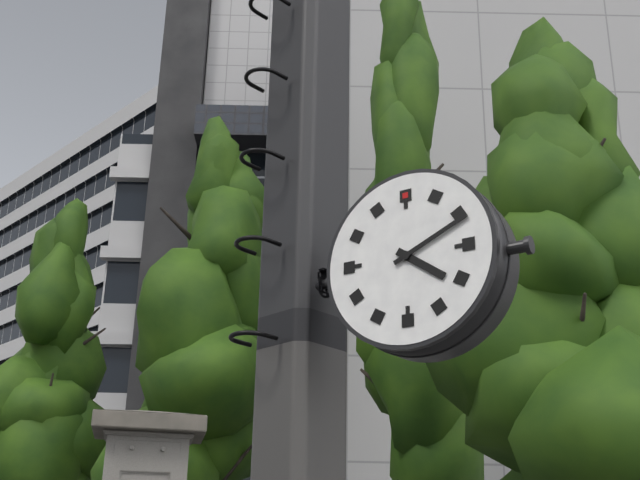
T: 4 h 11 min
